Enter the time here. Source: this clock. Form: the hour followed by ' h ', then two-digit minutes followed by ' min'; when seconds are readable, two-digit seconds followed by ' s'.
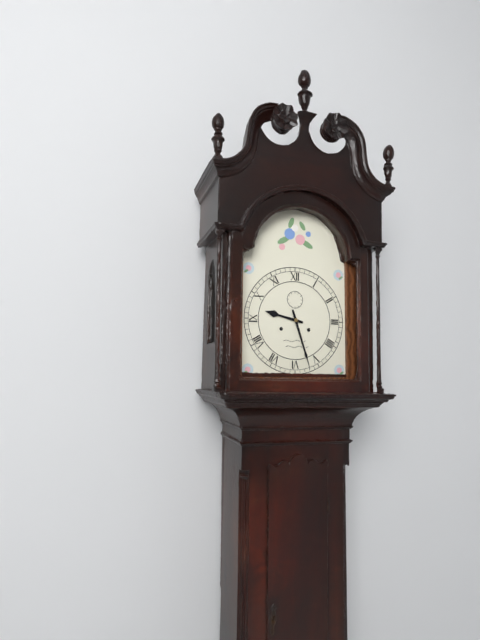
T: 9 h 27 min
